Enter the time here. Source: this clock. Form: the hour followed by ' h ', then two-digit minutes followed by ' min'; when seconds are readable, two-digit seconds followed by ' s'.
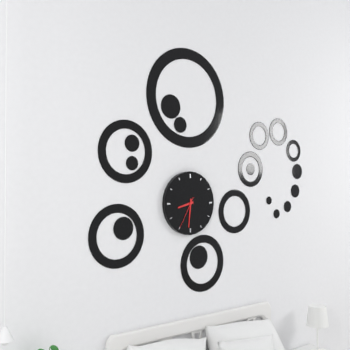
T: 8 h 31 min
